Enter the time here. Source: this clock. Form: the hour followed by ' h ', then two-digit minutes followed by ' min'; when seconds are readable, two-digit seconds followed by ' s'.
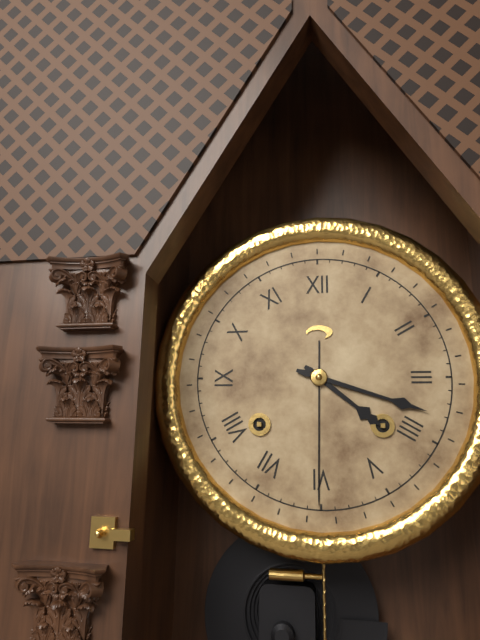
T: 4 h 18 min
